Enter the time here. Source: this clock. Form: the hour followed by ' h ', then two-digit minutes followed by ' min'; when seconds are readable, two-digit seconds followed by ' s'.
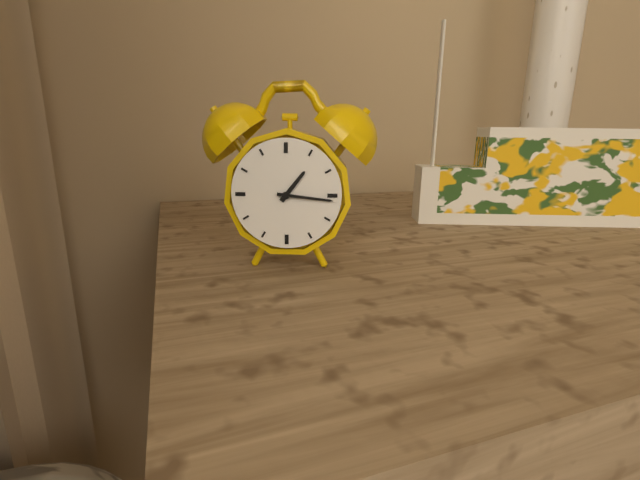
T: 1 h 16 min
